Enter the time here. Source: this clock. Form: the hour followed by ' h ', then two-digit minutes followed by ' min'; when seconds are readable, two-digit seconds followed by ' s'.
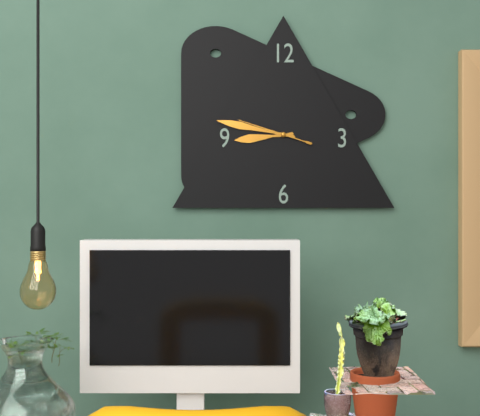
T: 8 h 47 min 48 s
